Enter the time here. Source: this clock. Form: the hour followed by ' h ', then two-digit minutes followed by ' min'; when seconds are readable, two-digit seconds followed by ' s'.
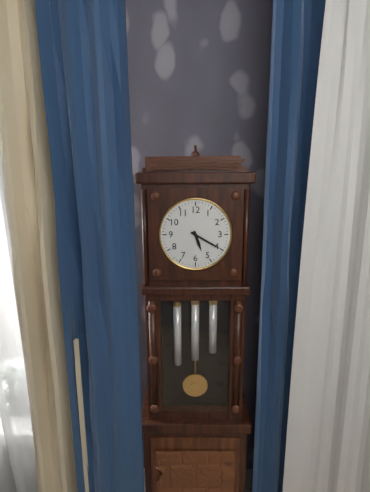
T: 5 h 20 min
